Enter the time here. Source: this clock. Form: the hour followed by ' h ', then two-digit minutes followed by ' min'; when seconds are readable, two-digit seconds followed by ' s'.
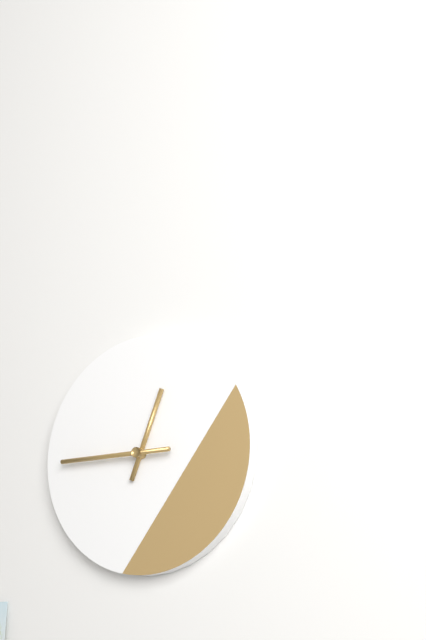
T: 12 h 45 min
